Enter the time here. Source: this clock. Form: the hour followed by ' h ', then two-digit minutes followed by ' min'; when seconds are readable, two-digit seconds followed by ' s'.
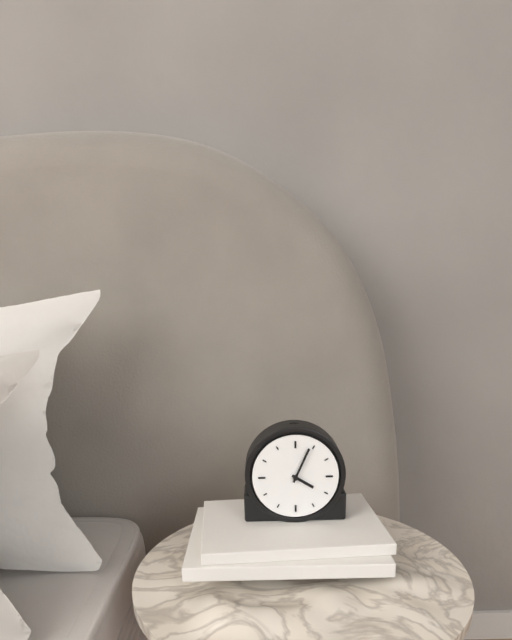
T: 4 h 04 min
